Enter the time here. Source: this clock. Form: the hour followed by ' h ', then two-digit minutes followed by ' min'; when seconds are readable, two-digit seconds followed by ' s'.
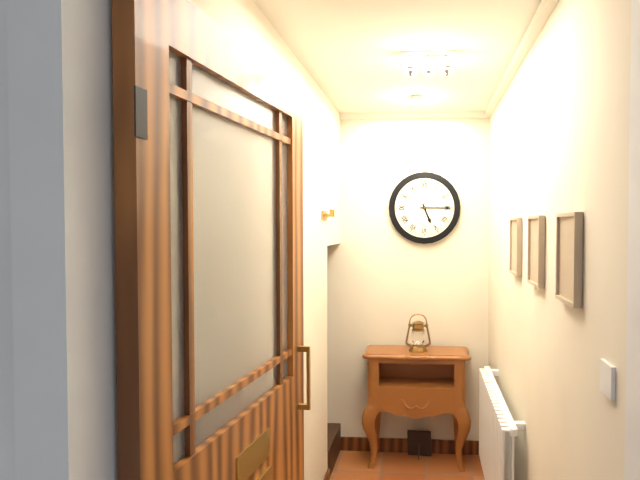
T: 5 h 15 min
